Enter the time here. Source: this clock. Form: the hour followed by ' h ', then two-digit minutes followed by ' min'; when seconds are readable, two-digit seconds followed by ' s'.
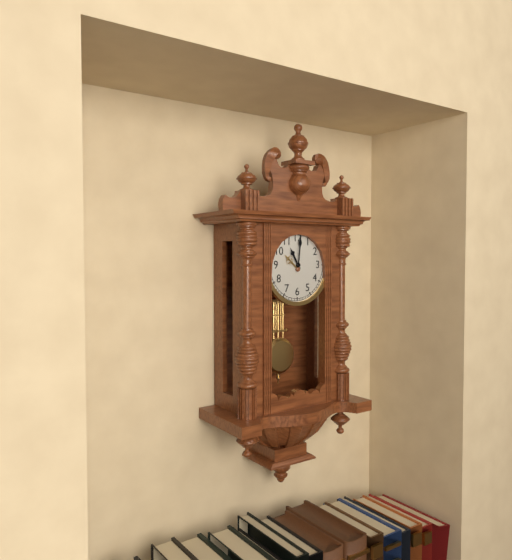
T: 11 h 01 min
